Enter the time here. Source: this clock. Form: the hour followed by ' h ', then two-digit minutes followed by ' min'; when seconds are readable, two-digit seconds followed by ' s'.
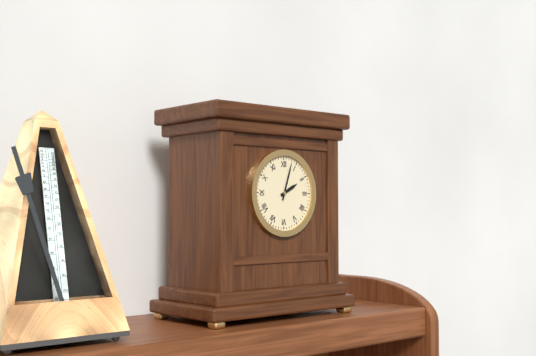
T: 2 h 03 min
